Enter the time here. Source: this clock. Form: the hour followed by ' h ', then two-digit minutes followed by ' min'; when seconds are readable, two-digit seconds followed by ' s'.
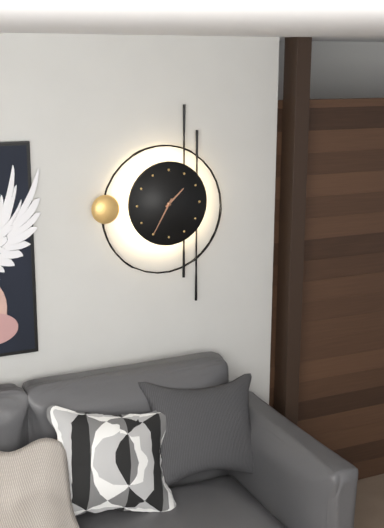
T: 1 h 35 min
